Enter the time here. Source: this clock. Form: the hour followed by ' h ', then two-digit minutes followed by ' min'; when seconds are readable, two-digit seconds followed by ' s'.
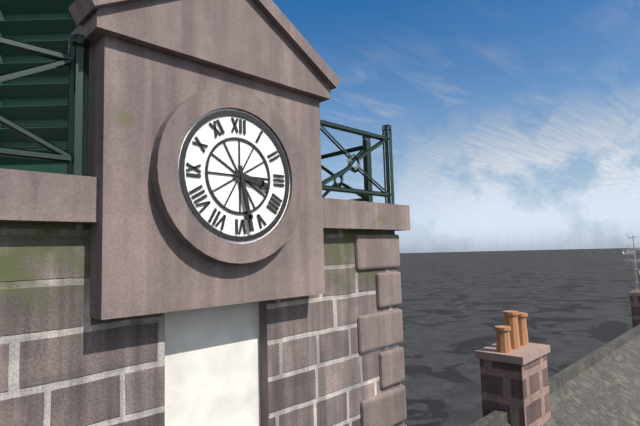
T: 3 h 28 min
